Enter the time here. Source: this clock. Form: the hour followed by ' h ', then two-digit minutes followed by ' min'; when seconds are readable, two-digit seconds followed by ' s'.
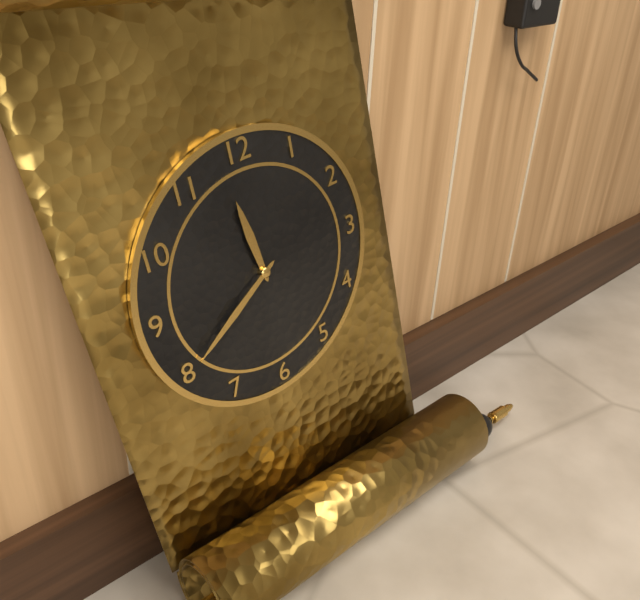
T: 11 h 40 min
